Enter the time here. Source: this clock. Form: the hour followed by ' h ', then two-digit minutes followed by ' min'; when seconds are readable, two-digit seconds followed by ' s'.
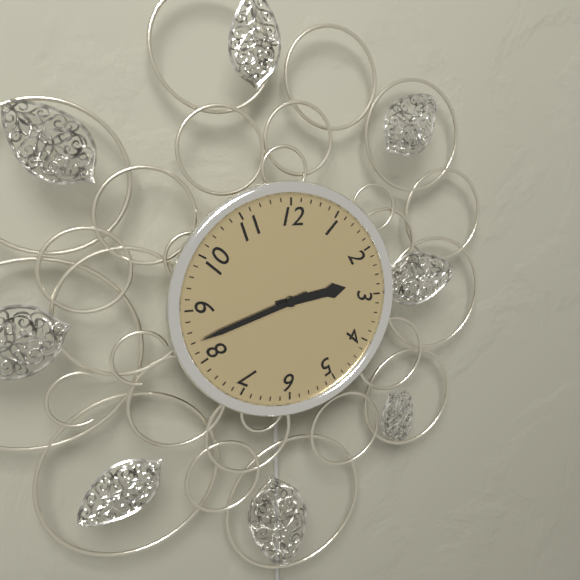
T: 2 h 42 min
